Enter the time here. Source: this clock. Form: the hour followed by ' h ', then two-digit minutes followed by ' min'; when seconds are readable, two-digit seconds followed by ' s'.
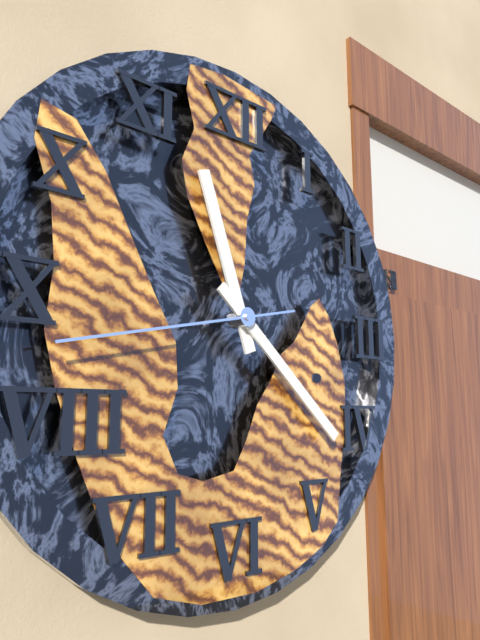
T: 11 h 22 min 43 s
